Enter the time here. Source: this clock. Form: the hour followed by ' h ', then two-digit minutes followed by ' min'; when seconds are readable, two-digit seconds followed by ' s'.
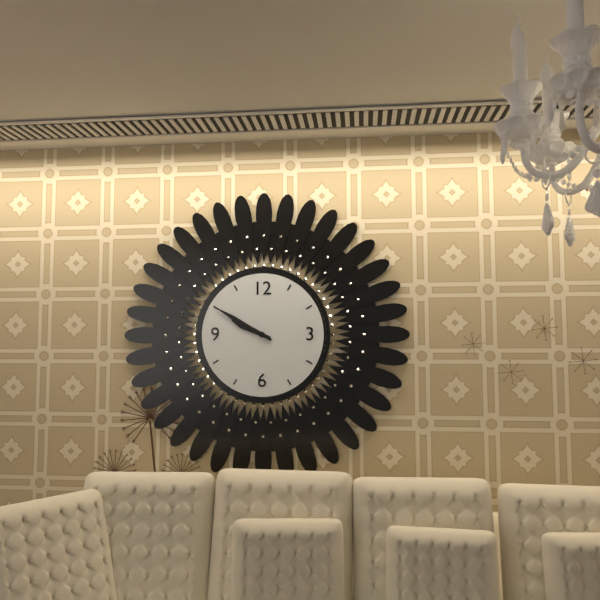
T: 9 h 50 min
